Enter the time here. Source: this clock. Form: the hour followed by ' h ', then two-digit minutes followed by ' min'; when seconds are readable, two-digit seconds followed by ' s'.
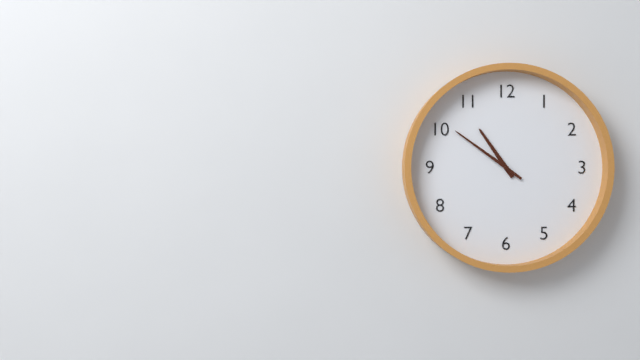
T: 10 h 51 min
